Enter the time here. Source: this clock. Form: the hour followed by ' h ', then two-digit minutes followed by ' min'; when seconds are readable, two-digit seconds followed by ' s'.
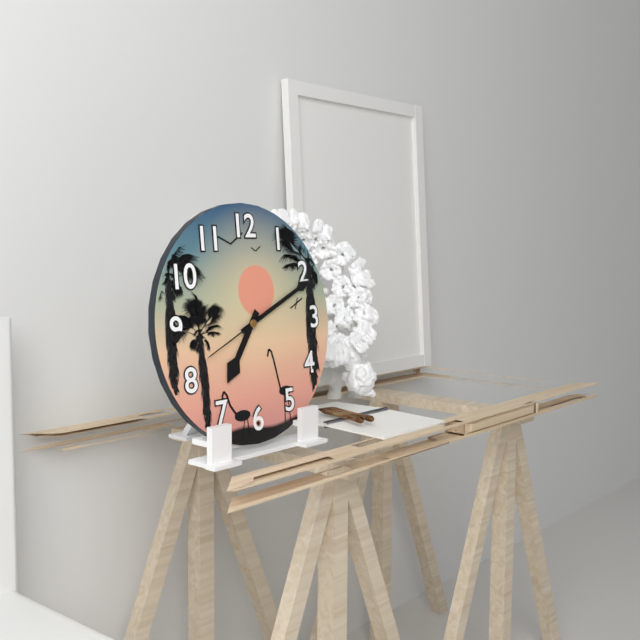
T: 7 h 11 min 41 s
